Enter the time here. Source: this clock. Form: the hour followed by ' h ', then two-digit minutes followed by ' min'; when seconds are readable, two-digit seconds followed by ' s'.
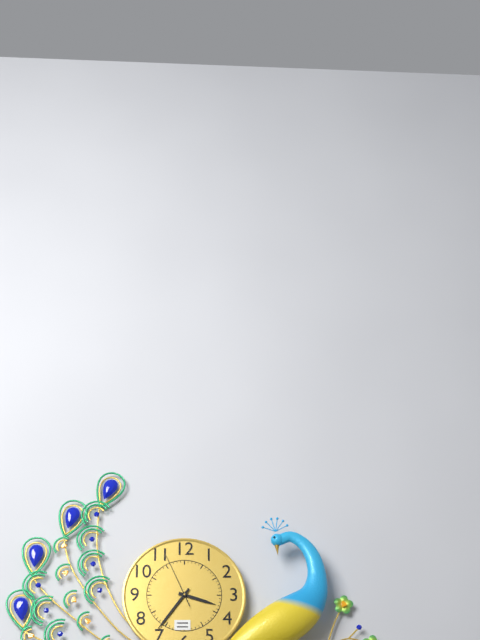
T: 3 h 36 min 56 s
